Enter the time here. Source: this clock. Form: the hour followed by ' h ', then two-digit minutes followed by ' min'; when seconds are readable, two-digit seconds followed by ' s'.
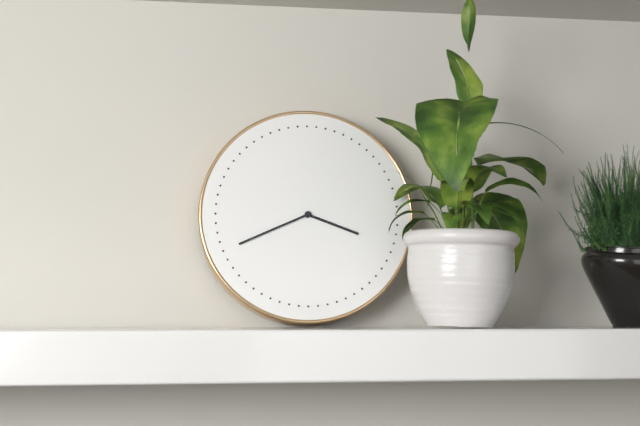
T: 3 h 41 min
